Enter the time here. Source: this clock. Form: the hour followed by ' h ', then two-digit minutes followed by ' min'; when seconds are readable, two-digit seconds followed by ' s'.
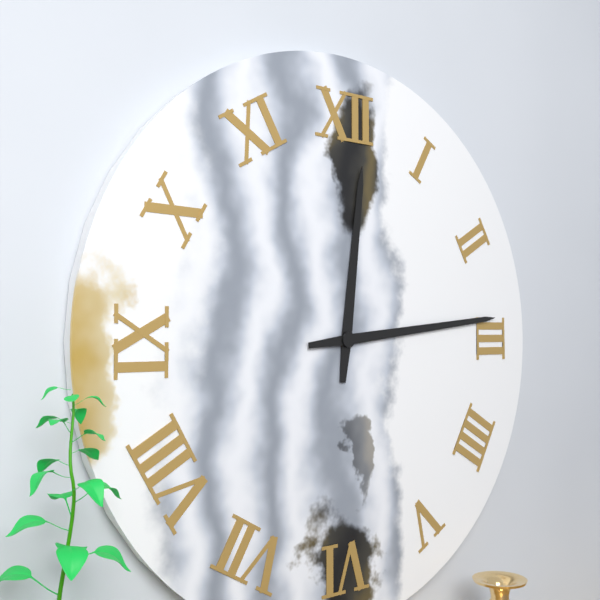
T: 12 h 14 min
